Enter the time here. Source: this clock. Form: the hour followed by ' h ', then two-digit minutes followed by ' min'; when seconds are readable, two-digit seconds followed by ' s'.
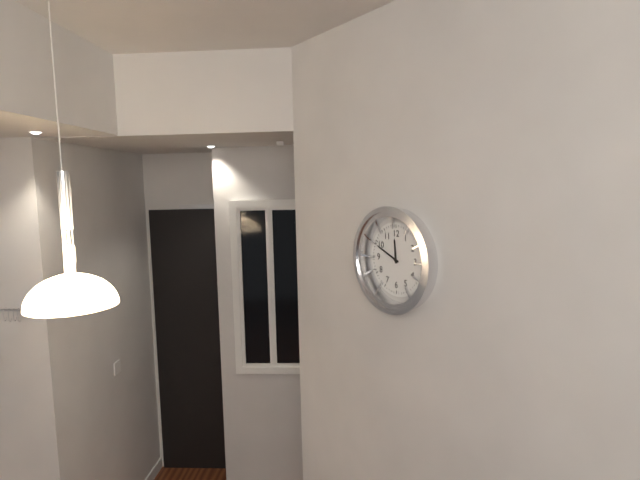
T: 11 h 49 min
